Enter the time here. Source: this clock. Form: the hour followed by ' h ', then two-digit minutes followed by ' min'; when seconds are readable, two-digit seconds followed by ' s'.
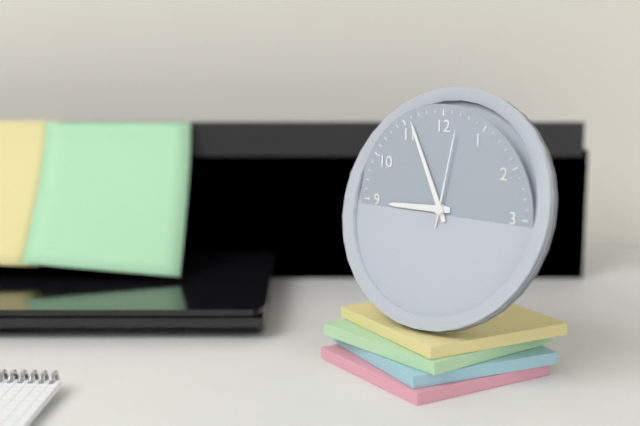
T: 8 h 56 min 02 s
